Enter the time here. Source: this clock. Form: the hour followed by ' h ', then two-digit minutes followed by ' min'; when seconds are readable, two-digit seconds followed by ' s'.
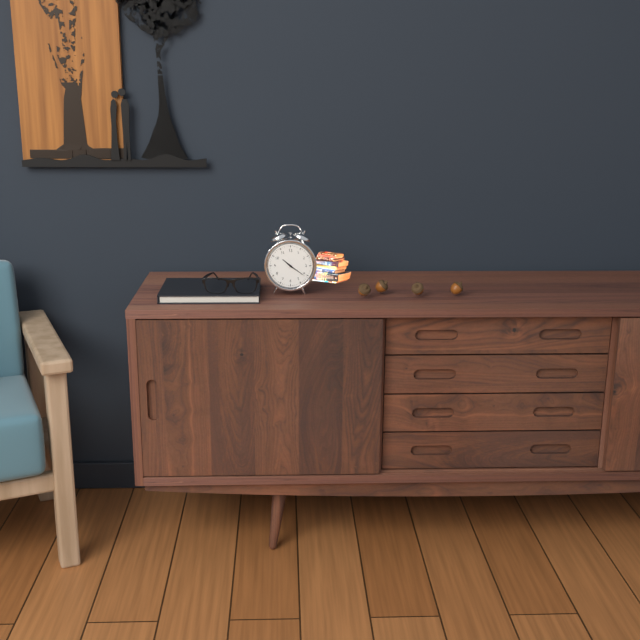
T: 10 h 21 min
